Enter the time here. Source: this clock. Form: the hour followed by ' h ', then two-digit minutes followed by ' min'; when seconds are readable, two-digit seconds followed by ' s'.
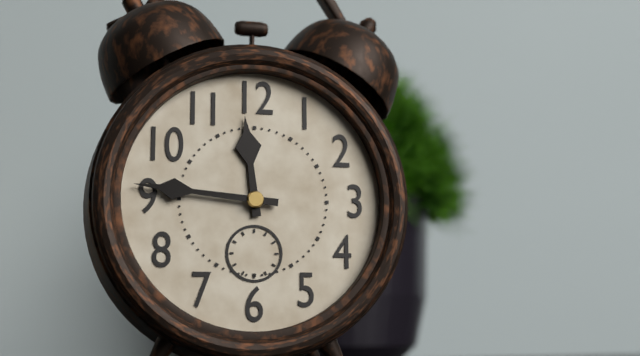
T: 11 h 46 min
